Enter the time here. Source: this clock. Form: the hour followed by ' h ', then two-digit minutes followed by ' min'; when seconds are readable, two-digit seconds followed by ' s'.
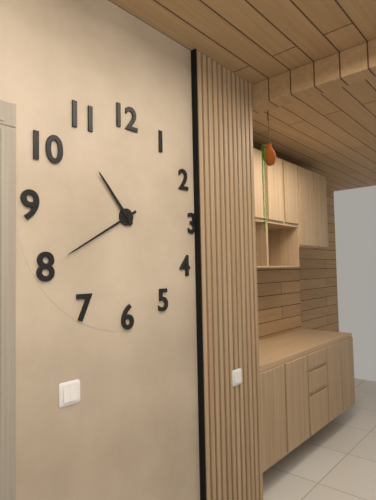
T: 10 h 40 min
